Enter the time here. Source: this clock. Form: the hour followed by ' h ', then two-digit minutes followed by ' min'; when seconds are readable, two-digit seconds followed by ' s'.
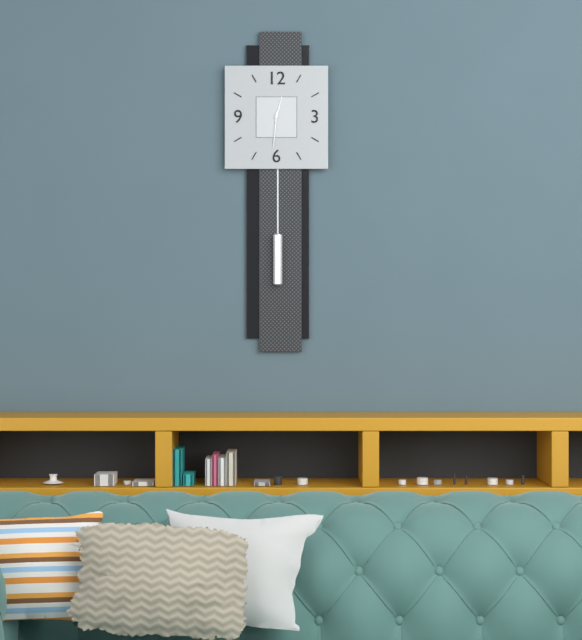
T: 12 h 31 min
